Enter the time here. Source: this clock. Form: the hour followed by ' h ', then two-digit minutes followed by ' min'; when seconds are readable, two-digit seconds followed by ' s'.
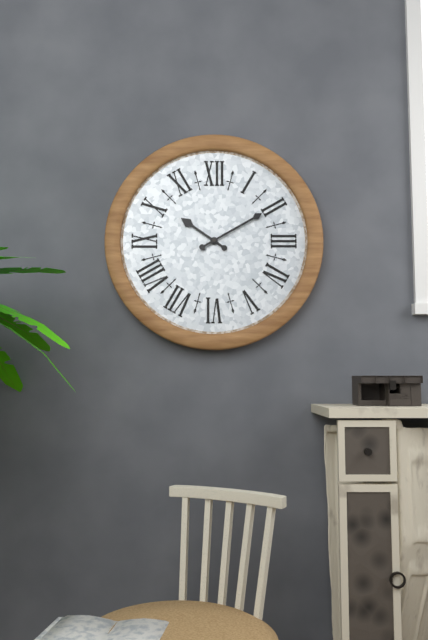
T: 10 h 10 min
